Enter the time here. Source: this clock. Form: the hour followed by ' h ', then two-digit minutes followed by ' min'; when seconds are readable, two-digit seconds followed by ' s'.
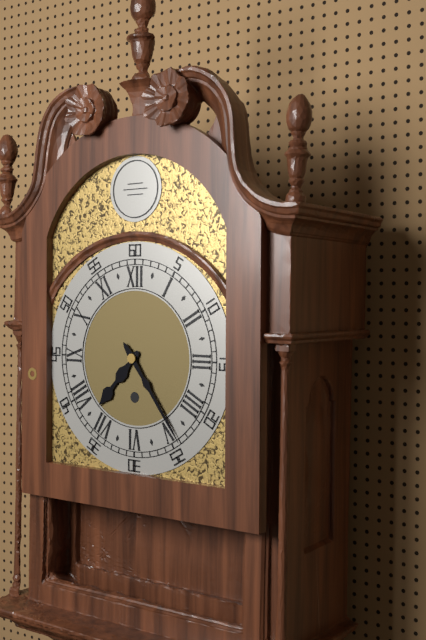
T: 7 h 24 min
